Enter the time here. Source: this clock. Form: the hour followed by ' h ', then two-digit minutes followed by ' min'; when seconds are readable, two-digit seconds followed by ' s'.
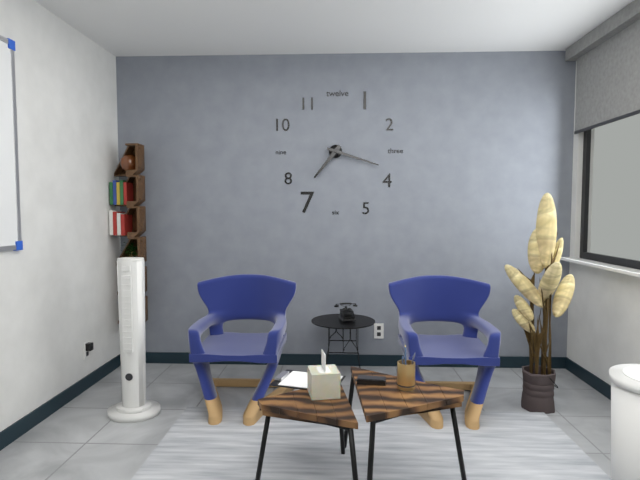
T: 7 h 18 min
